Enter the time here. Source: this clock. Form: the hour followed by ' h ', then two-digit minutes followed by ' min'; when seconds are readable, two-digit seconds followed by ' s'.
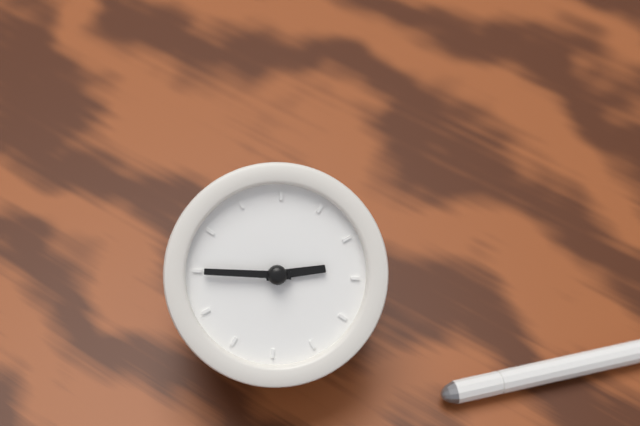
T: 1 h 40 min
